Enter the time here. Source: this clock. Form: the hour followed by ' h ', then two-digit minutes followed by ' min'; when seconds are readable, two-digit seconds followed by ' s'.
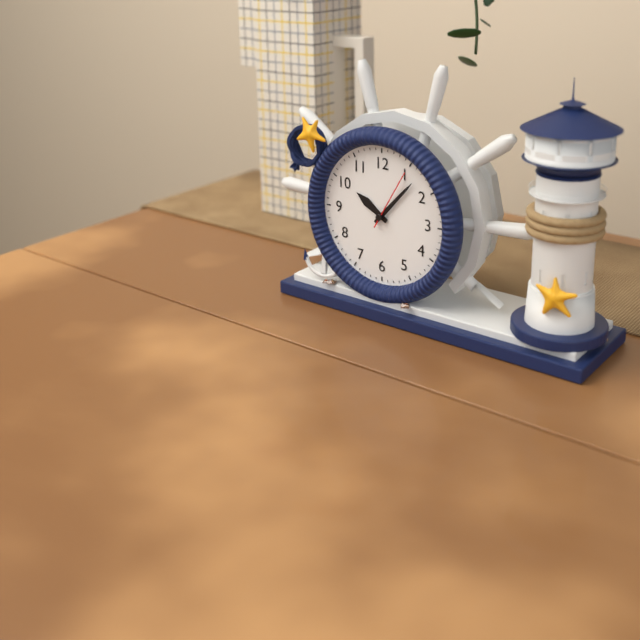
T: 10 h 07 min 05 s
